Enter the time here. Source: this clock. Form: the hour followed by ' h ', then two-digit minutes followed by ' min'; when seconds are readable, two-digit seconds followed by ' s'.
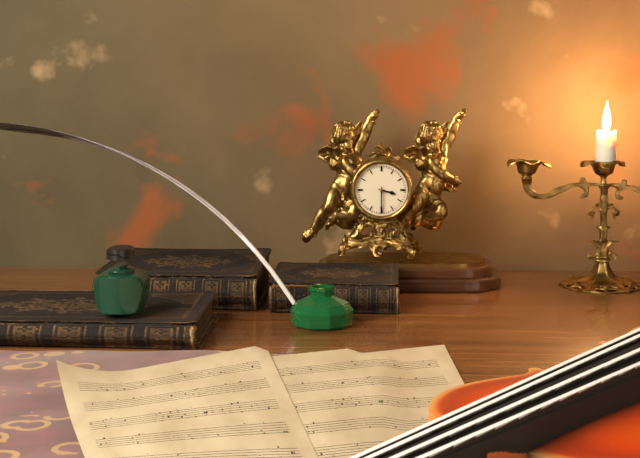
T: 3 h 30 min
